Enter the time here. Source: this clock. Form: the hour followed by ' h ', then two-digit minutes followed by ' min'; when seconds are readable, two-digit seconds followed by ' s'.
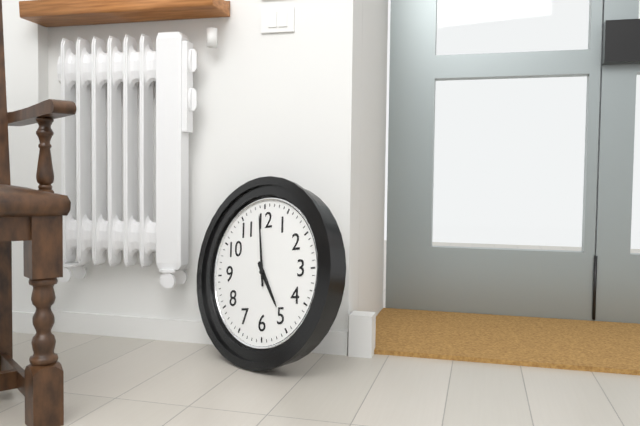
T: 4 h 59 min
